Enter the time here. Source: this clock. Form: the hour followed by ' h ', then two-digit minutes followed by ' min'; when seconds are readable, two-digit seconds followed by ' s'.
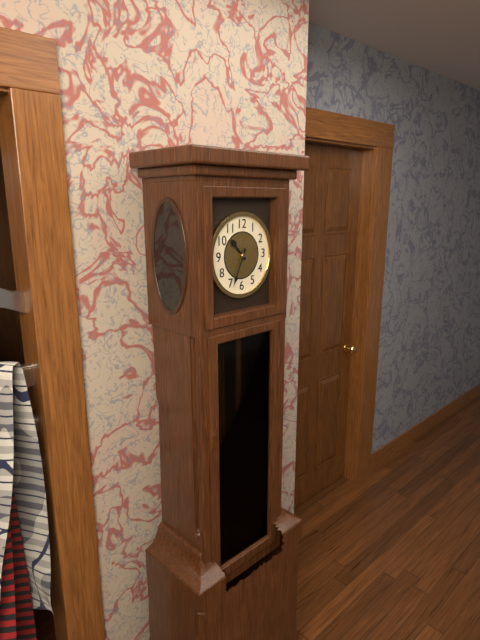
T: 10 h 34 min
